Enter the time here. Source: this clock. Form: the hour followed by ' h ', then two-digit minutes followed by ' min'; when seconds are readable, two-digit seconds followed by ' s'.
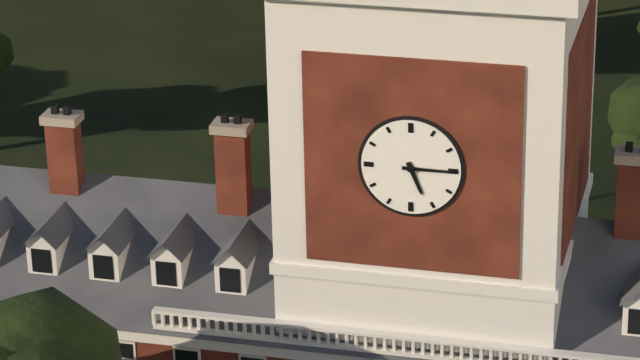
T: 5 h 15 min
